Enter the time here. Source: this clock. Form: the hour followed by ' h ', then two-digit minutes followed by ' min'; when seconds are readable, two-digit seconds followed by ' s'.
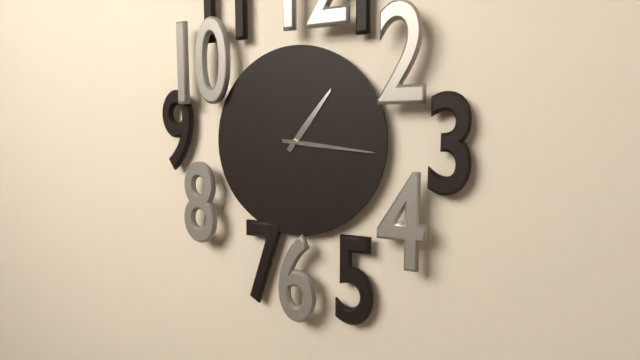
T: 1 h 16 min
